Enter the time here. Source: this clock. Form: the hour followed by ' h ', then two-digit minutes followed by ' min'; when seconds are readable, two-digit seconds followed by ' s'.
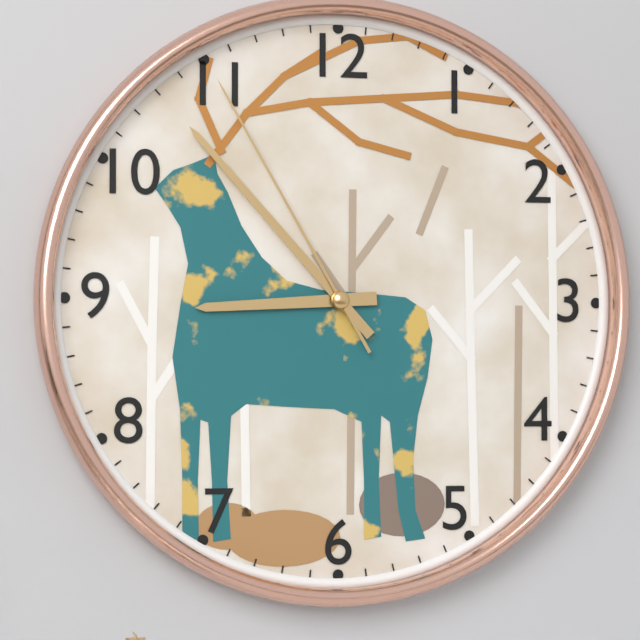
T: 8 h 53 min 55 s
